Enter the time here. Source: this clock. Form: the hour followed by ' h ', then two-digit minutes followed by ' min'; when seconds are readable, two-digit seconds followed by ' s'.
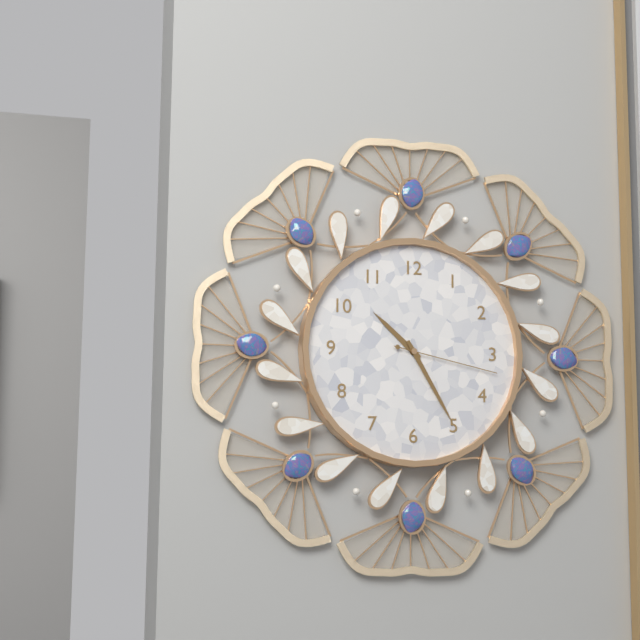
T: 10 h 25 min 17 s
